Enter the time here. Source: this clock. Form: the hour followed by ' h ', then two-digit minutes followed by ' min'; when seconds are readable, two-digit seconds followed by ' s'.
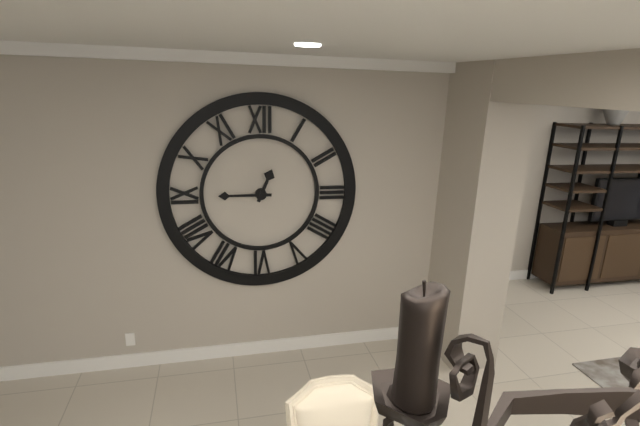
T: 12 h 45 min
